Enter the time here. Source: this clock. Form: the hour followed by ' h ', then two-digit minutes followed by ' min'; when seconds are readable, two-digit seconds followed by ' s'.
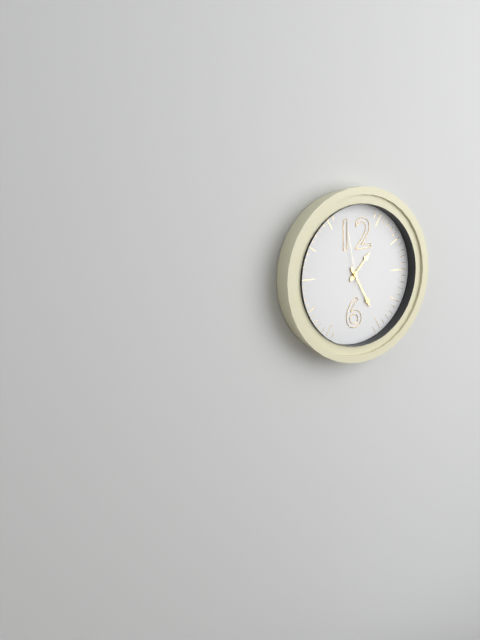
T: 1 h 25 min 58 s
